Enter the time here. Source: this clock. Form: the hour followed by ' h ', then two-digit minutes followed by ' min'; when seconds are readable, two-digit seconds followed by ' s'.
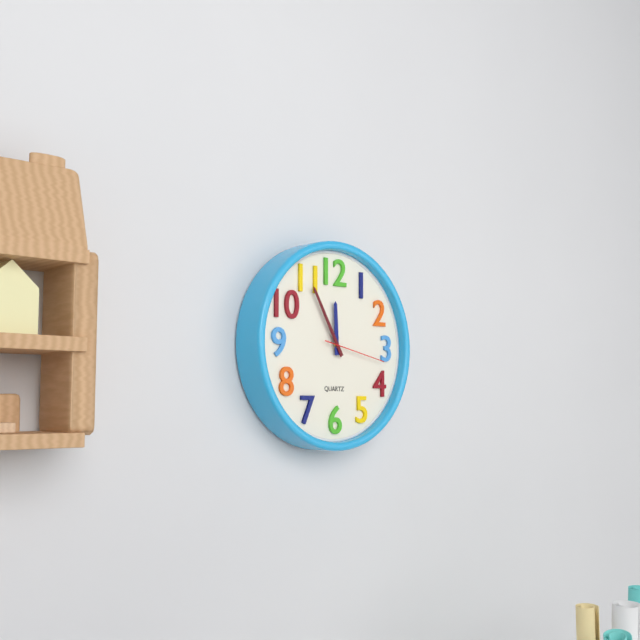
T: 11 h 55 min 17 s
